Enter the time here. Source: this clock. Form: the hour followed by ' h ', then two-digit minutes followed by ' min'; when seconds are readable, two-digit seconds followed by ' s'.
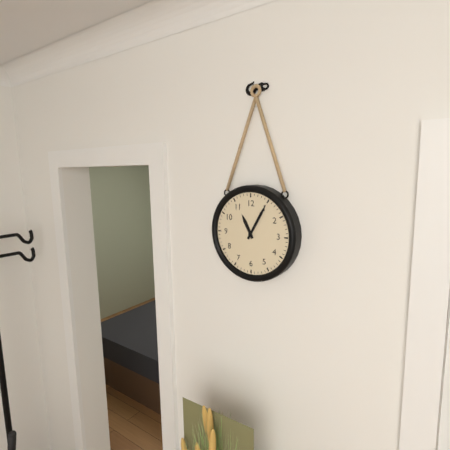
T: 11 h 05 min
